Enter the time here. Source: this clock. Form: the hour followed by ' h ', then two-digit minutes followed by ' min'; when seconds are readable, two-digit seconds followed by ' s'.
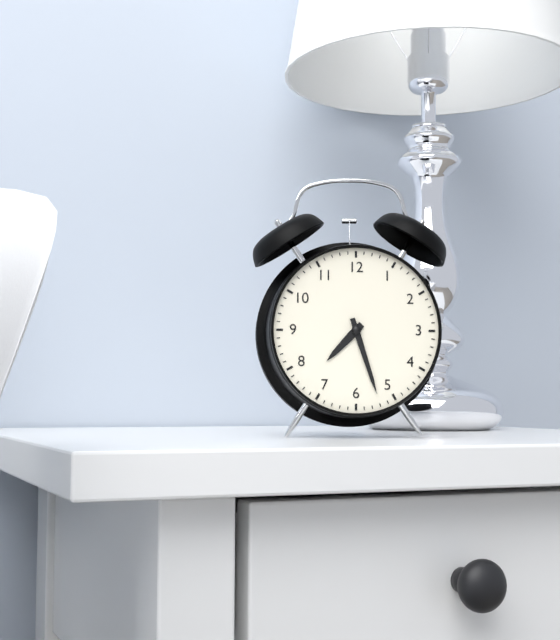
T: 7 h 27 min
